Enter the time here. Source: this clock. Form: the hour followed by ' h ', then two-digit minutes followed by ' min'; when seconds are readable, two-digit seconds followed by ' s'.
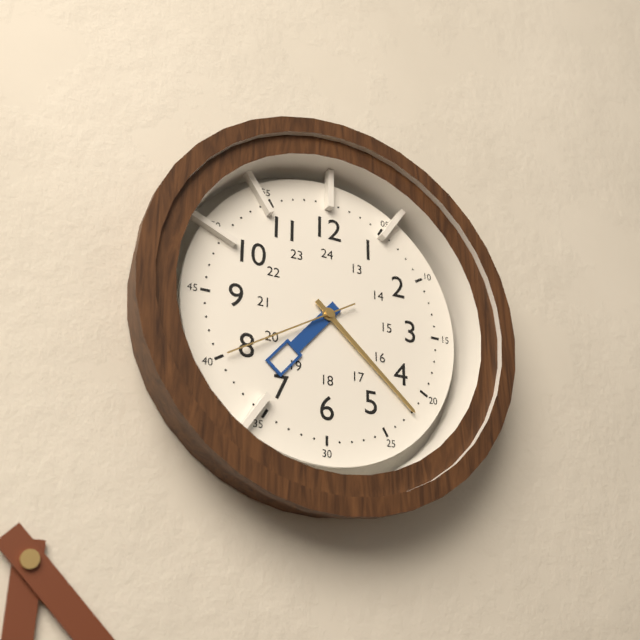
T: 7 h 22 min 40 s
